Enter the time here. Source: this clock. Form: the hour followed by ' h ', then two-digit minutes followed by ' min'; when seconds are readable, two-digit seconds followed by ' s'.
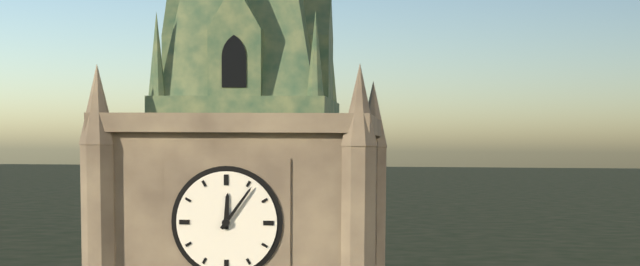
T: 12 h 06 min
